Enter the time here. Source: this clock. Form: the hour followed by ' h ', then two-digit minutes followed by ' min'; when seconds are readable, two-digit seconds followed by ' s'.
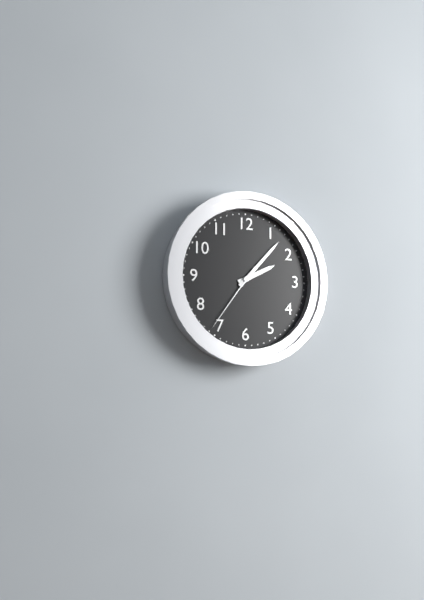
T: 2 h 07 min 36 s
